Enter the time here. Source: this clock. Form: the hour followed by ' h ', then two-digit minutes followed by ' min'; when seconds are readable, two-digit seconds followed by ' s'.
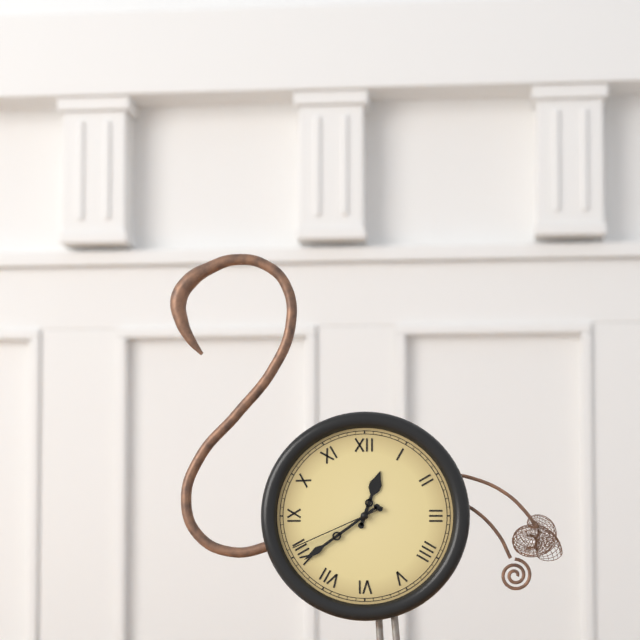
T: 12 h 39 min 41 s
